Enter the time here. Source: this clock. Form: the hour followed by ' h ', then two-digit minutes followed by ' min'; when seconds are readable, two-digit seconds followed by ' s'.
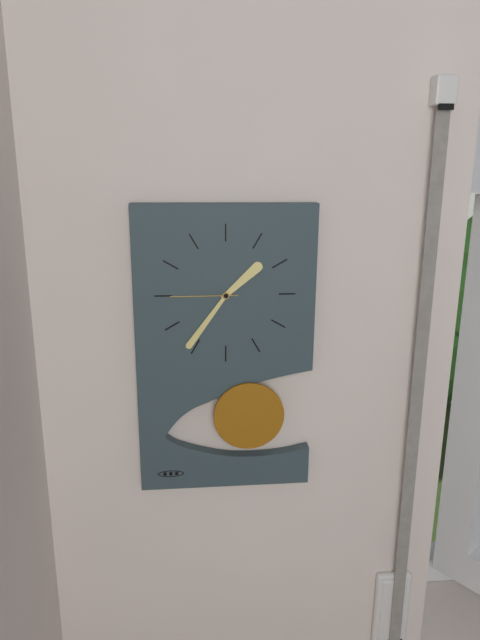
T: 1 h 36 min 45 s
